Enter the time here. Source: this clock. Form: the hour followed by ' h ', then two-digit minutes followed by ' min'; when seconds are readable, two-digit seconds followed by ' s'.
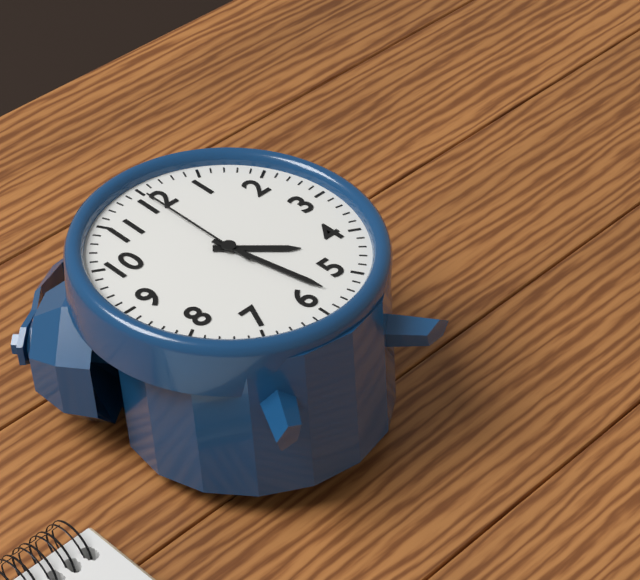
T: 4 h 28 min 00 s
